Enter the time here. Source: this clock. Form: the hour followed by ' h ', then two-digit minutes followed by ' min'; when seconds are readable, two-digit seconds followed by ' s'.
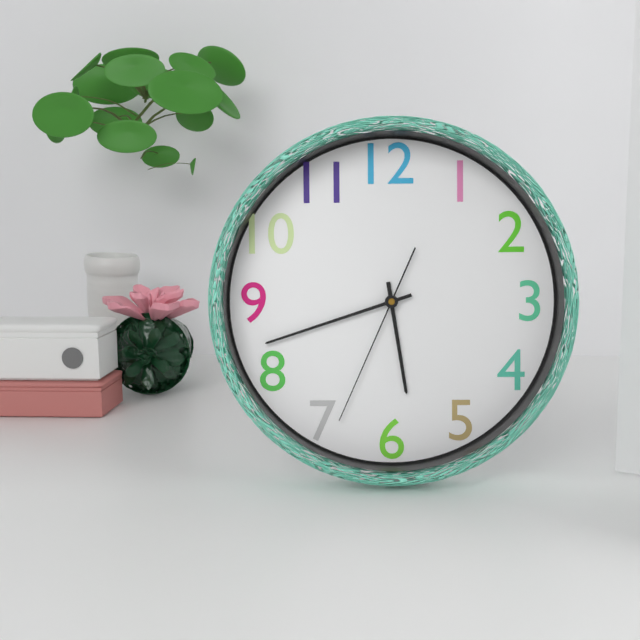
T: 5 h 42 min 34 s
